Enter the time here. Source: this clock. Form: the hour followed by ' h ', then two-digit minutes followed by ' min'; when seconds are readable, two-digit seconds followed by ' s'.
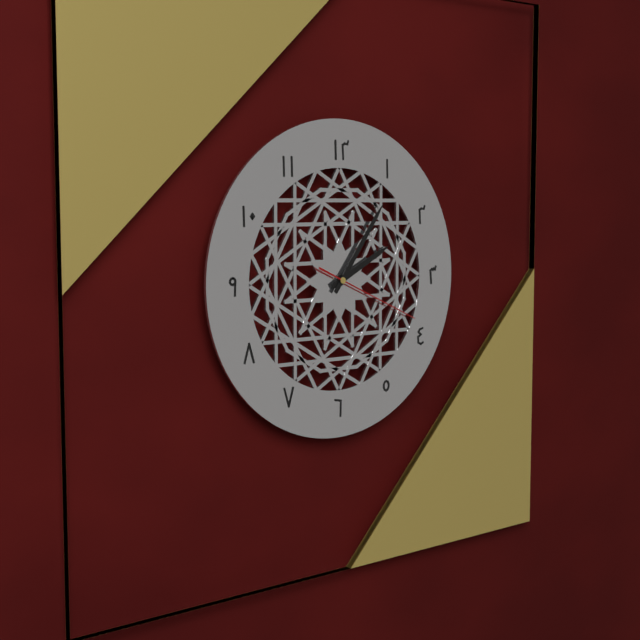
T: 2 h 06 min 19 s
